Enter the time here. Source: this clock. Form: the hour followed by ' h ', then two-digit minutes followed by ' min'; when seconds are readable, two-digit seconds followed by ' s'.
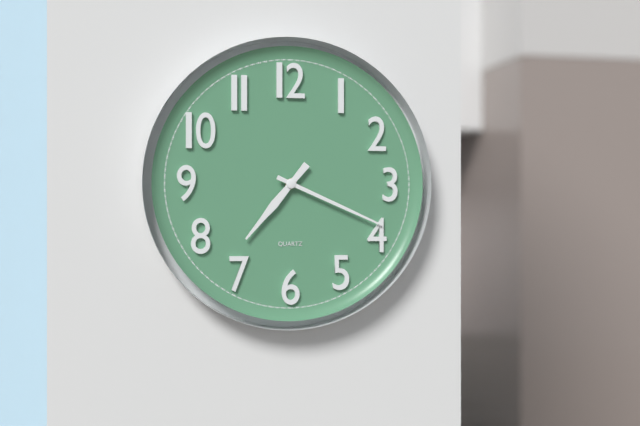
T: 7 h 19 min
